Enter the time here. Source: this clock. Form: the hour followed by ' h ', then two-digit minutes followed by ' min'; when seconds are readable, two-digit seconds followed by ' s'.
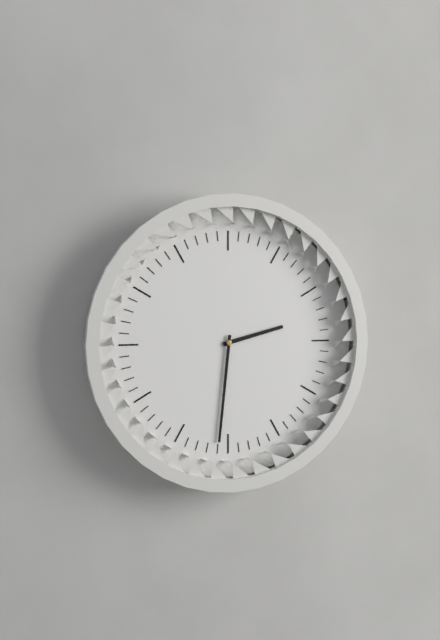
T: 2 h 31 min
